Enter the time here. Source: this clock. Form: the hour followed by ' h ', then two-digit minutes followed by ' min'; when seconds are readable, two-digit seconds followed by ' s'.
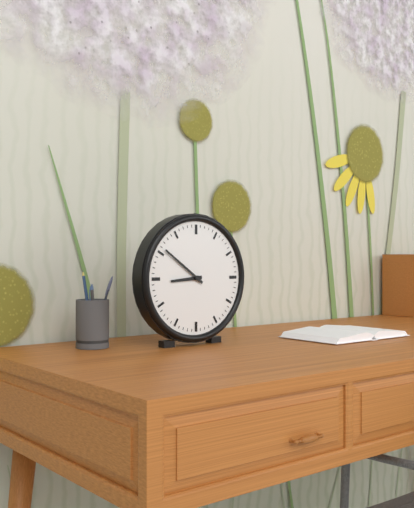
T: 8 h 51 min
